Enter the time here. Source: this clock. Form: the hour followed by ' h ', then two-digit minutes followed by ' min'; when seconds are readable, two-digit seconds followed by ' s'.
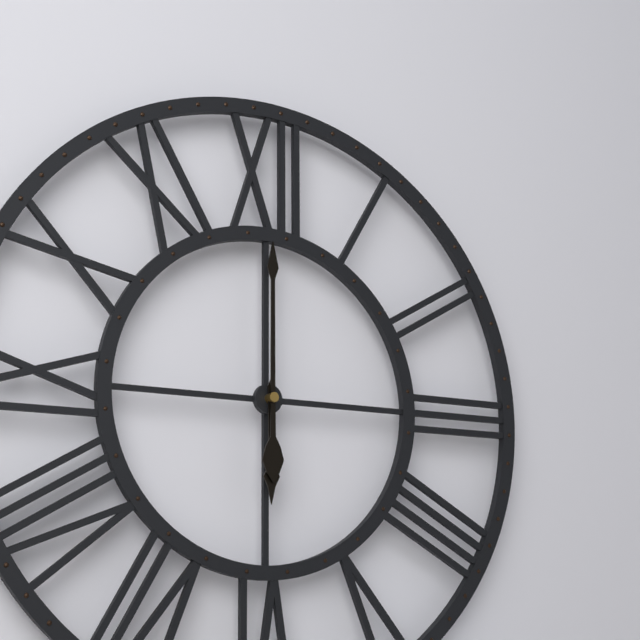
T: 6 h 00 min
